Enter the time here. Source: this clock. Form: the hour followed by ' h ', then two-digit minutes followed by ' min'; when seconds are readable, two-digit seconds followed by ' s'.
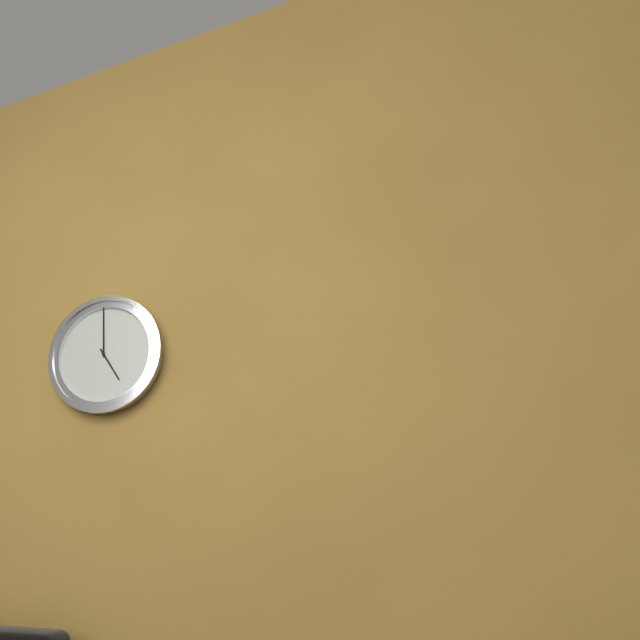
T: 5 h 00 min
